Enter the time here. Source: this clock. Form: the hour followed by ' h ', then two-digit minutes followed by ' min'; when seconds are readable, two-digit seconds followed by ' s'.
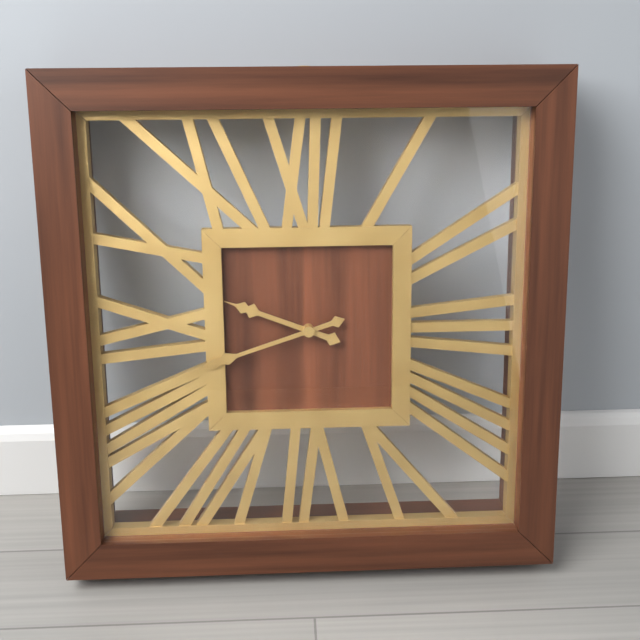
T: 9 h 42 min
